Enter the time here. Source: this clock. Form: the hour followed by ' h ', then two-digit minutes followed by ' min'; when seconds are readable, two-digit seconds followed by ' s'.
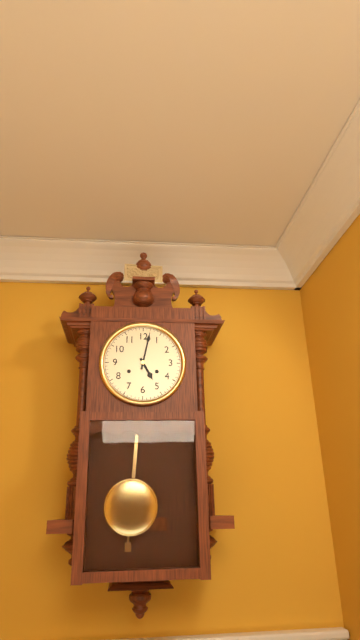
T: 5 h 02 min
